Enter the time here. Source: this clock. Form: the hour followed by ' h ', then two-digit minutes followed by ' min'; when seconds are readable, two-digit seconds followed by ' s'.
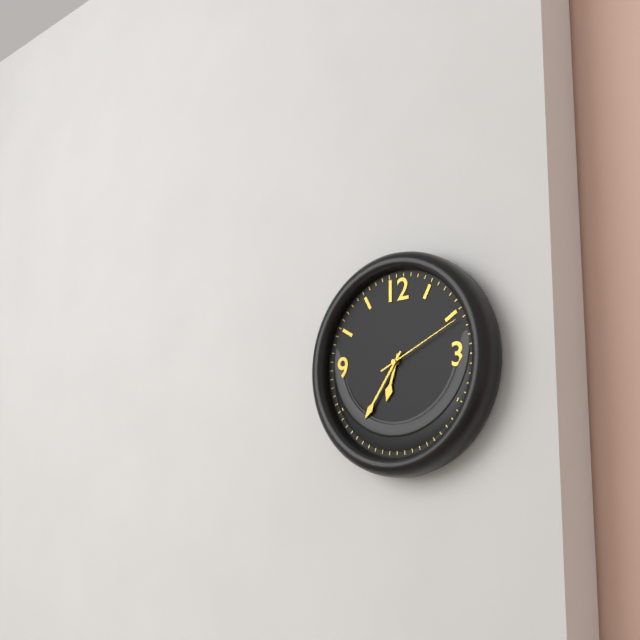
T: 6 h 36 min 11 s
